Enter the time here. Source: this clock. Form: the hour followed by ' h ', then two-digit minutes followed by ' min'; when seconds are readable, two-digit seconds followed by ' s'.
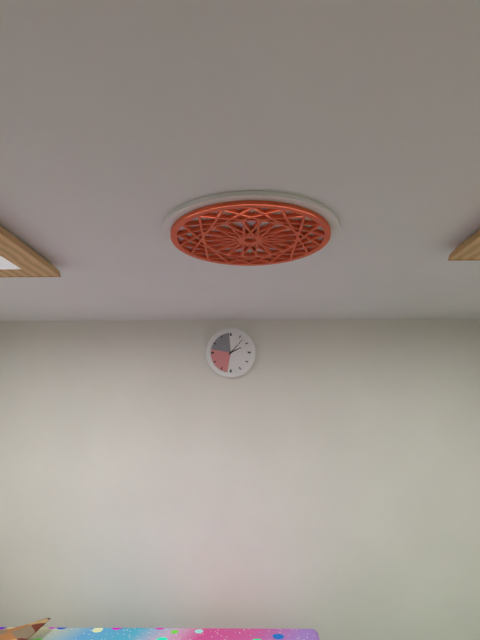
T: 2 h 07 min
